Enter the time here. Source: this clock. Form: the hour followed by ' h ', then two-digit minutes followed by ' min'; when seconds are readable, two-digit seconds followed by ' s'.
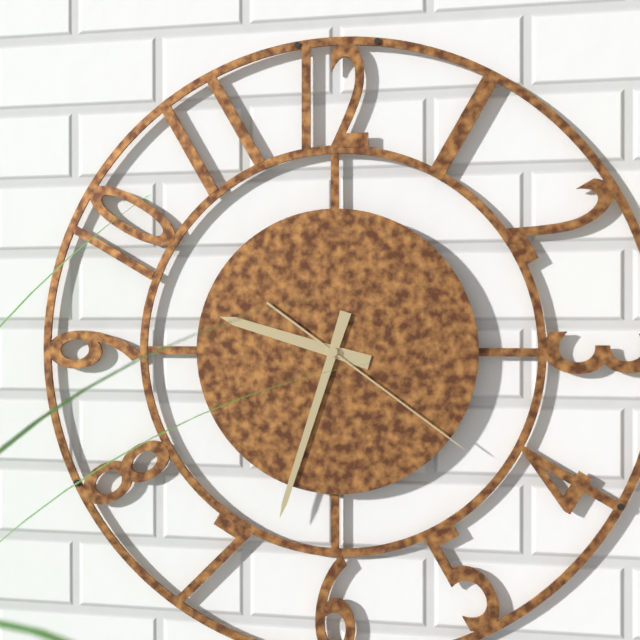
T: 9 h 33 min 21 s
